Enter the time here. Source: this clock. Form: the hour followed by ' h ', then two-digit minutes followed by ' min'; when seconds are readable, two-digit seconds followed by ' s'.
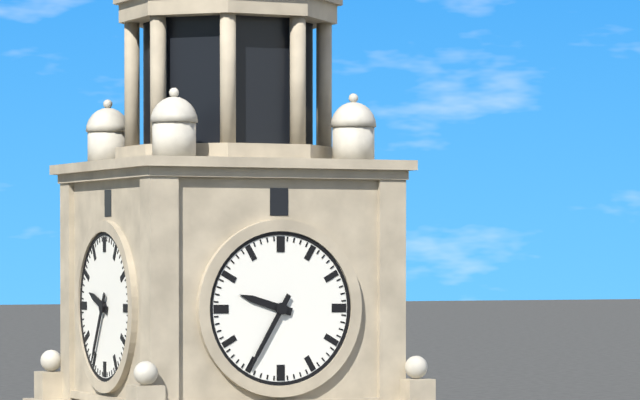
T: 9 h 35 min
